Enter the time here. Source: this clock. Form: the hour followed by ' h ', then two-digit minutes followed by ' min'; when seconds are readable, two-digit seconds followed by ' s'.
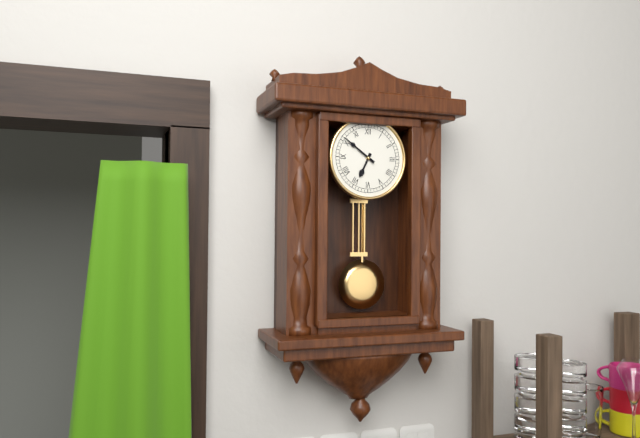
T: 6 h 51 min
